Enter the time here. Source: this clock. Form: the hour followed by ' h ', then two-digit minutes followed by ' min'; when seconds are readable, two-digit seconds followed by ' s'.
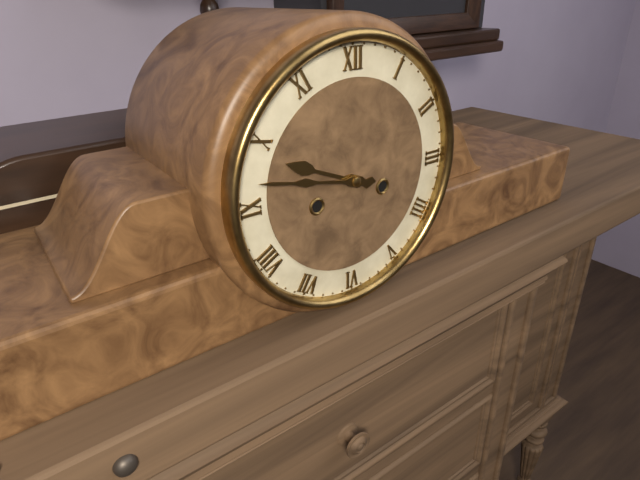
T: 9 h 47 min
